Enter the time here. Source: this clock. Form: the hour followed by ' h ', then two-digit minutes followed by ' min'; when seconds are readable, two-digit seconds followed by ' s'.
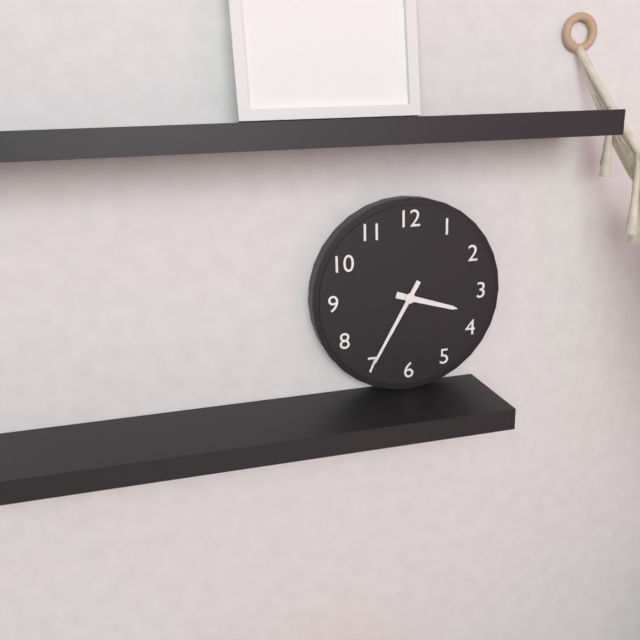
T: 3 h 35 min
